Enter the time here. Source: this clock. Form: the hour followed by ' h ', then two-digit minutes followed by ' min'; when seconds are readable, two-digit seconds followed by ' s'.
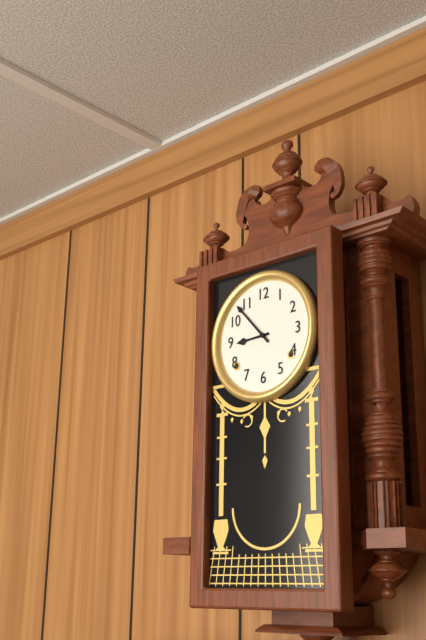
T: 8 h 53 min
